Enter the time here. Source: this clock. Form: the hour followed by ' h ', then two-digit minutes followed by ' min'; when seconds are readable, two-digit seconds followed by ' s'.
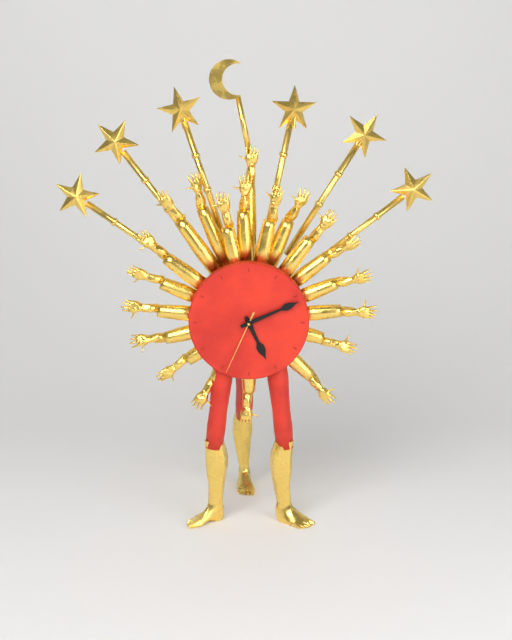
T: 5 h 11 min 34 s
